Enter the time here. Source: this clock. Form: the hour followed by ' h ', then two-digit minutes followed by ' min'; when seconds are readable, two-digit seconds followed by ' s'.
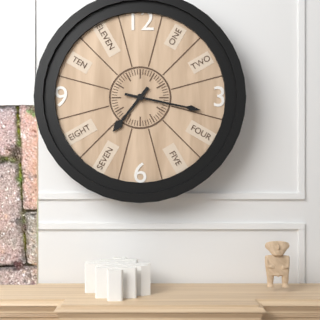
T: 7 h 17 min
